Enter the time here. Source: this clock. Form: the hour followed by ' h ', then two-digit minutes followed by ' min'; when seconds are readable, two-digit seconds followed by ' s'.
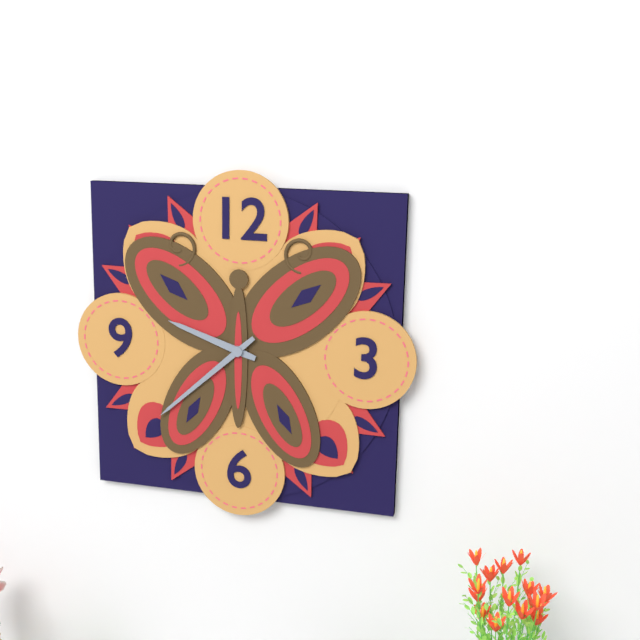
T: 9 h 38 min
